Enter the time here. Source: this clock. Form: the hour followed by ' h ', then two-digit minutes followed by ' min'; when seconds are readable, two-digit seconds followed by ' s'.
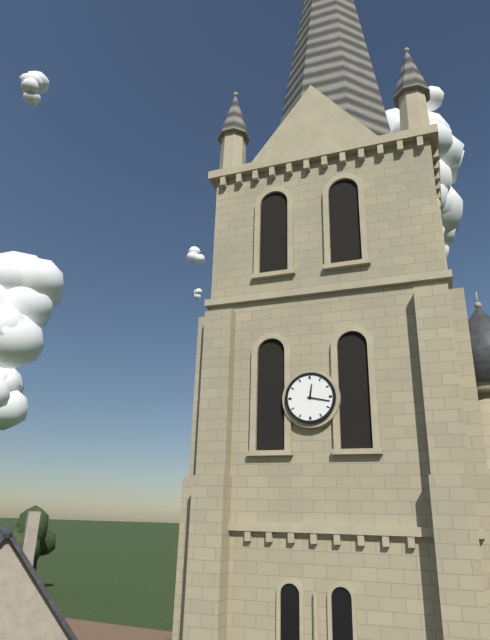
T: 12 h 17 min
